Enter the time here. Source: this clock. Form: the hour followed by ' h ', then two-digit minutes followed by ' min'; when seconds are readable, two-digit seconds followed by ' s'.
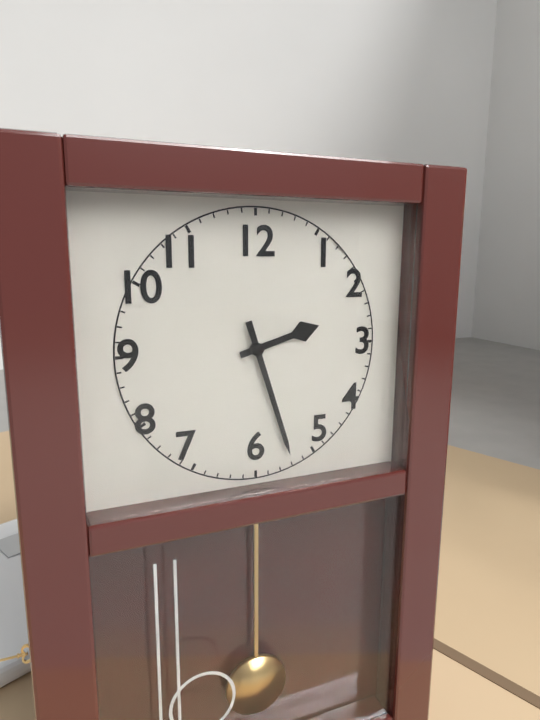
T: 2 h 27 min
